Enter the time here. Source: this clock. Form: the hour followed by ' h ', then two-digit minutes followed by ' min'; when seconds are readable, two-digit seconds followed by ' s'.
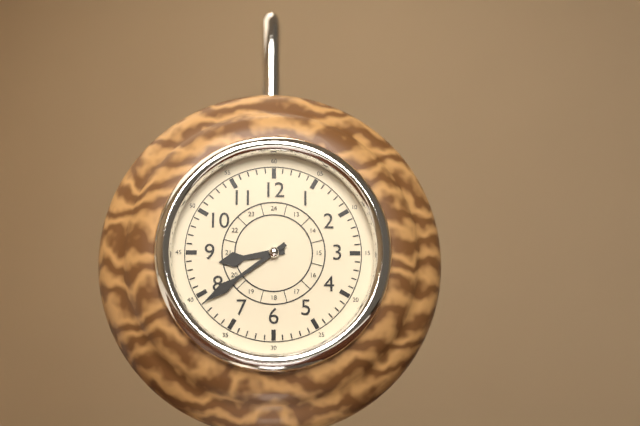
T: 8 h 39 min
